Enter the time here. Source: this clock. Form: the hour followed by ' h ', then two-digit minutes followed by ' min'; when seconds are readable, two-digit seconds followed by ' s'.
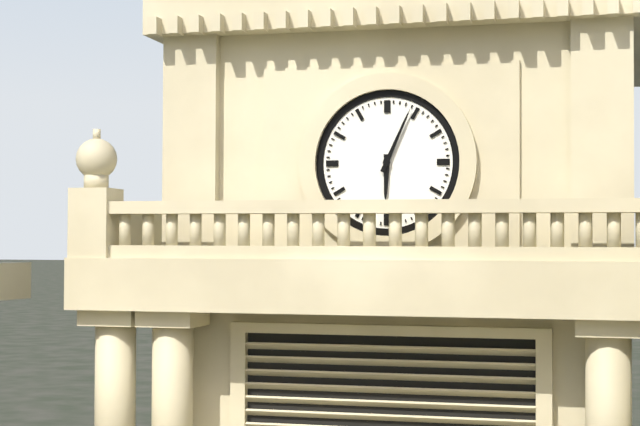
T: 6 h 04 min
